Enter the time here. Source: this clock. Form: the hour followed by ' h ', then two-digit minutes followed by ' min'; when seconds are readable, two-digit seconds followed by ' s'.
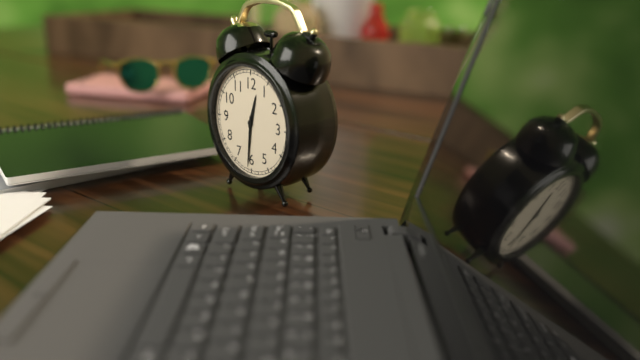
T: 12 h 31 min
